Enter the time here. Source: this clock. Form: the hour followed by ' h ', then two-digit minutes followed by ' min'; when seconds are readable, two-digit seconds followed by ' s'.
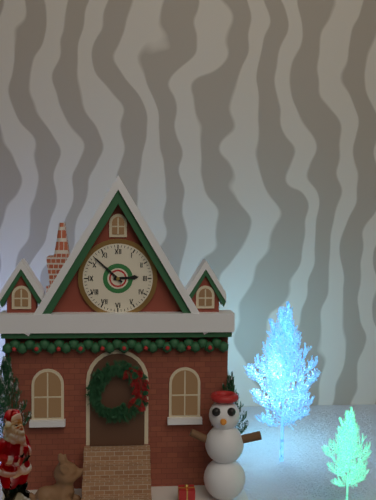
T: 2 h 52 min
